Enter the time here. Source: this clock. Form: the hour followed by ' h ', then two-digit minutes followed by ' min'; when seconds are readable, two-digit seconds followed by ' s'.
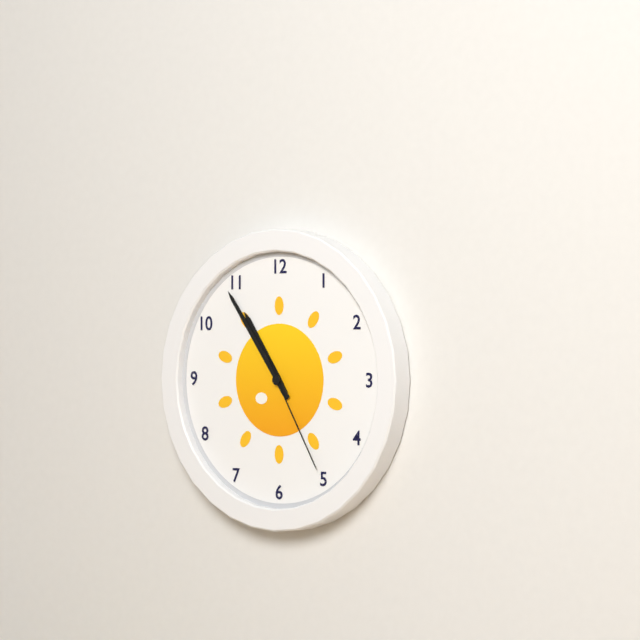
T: 10 h 54 min 25 s
